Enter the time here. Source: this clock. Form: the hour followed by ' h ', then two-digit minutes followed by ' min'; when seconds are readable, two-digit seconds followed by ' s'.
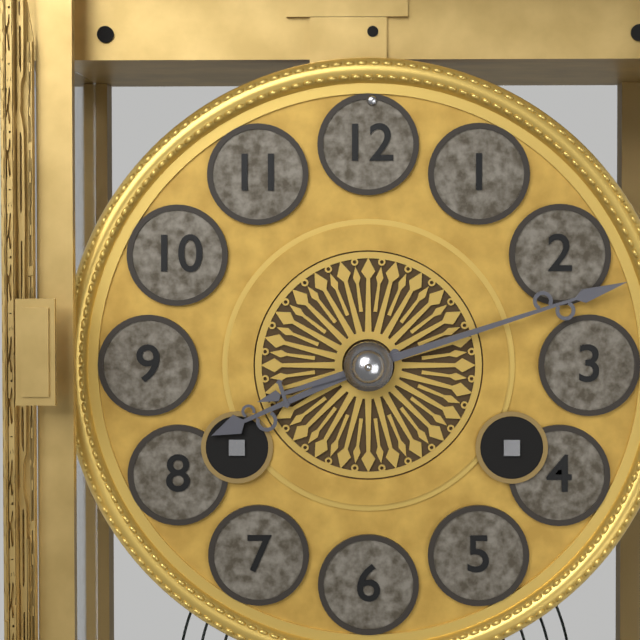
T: 8 h 12 min
